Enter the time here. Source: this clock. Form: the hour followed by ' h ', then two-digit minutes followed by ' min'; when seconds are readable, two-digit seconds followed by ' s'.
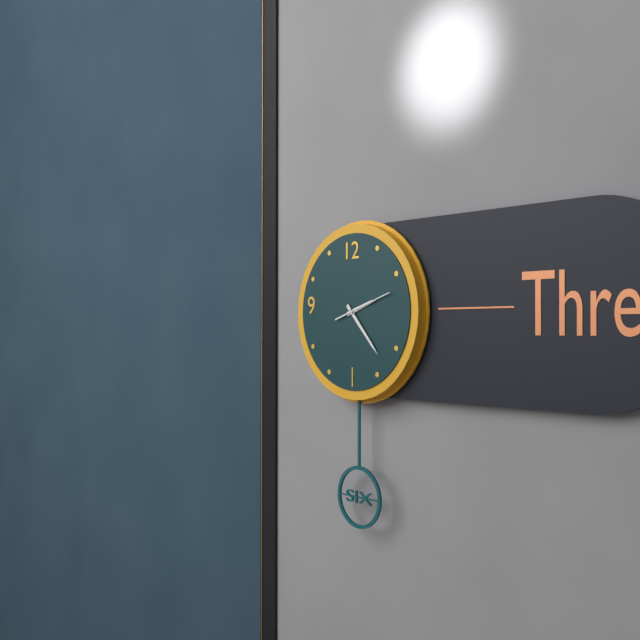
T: 2 h 23 min
